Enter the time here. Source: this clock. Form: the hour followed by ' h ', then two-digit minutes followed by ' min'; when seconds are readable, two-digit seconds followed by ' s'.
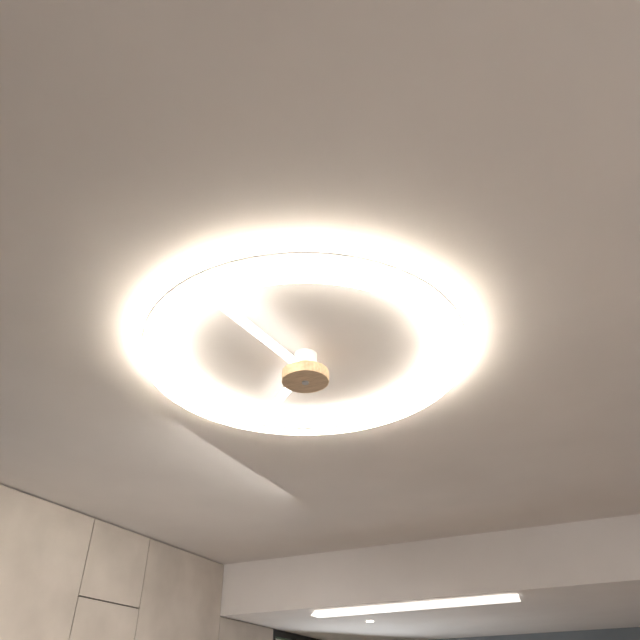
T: 5 h 50 min
